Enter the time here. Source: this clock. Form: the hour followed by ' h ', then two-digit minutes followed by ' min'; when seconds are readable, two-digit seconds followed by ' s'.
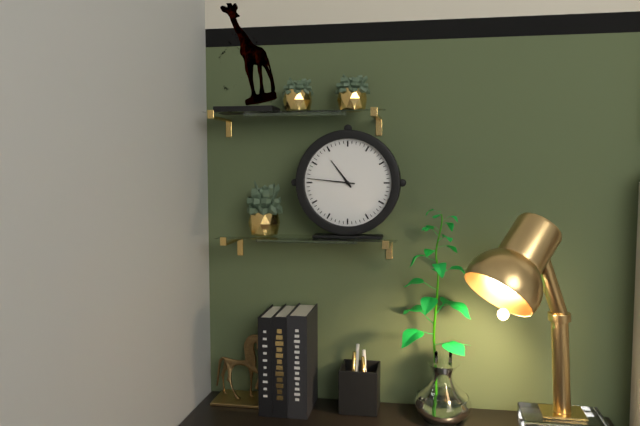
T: 10 h 46 min
